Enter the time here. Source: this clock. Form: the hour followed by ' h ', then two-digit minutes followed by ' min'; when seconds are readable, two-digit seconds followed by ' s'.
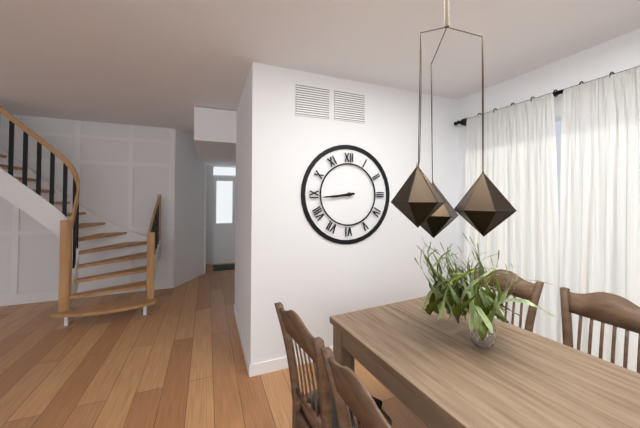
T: 8 h 44 min
